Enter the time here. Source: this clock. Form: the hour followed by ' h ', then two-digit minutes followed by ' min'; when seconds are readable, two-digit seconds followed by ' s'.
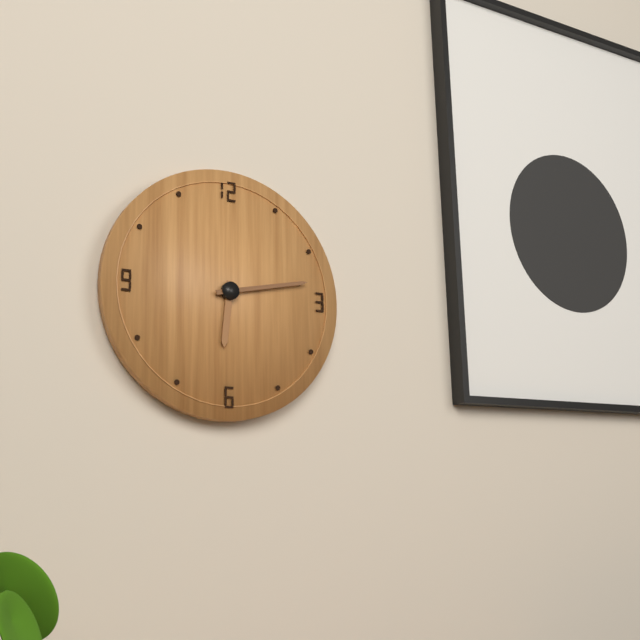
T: 6 h 13 min
